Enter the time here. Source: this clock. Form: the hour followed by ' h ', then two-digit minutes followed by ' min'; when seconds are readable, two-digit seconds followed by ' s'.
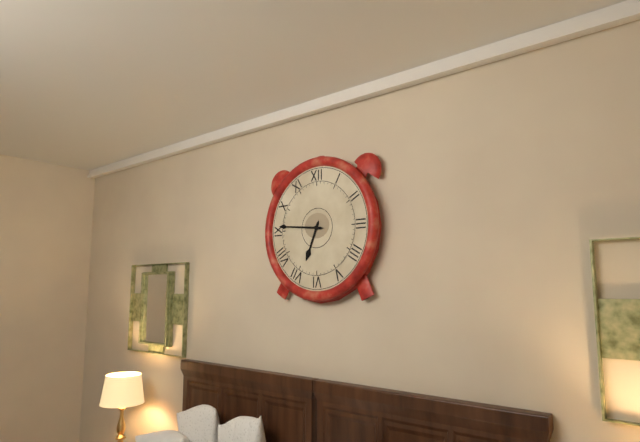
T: 6 h 46 min
